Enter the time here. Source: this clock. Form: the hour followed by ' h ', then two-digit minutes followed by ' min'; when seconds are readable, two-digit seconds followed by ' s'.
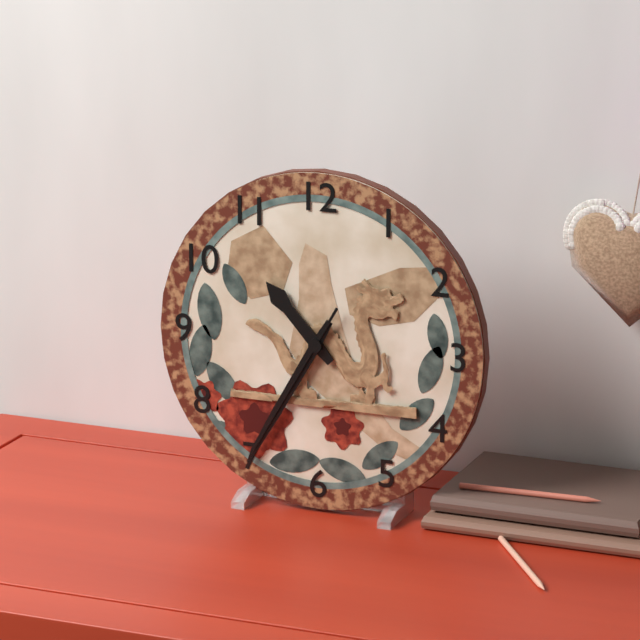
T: 10 h 35 min 35 s
